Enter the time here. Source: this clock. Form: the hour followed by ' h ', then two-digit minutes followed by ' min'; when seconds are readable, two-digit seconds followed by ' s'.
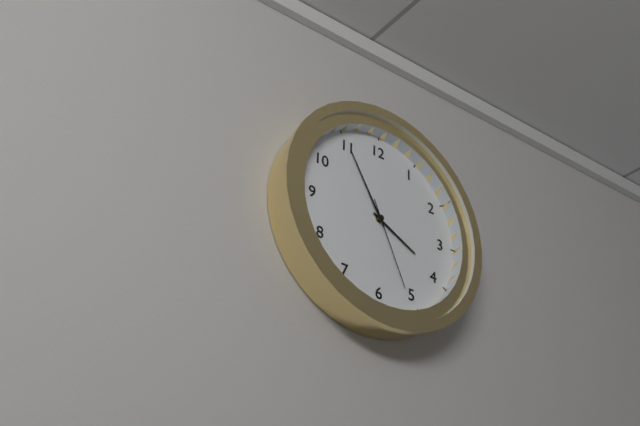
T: 3 h 55 min 26 s
